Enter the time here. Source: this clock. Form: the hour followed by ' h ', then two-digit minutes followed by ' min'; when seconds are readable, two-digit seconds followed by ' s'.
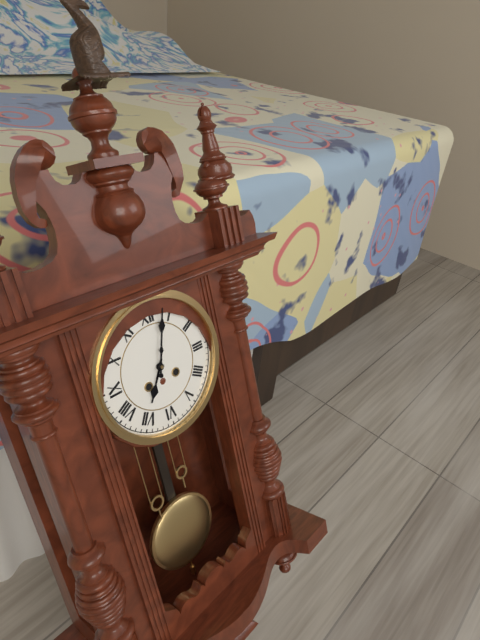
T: 7 h 03 min
